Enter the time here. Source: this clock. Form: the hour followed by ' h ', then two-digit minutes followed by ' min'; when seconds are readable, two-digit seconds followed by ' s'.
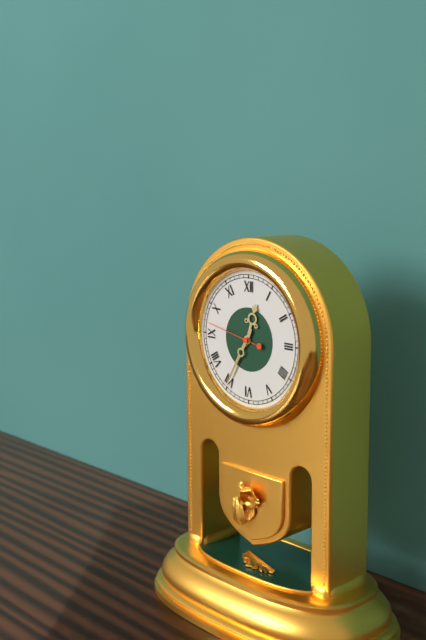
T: 12 h 35 min 47 s
